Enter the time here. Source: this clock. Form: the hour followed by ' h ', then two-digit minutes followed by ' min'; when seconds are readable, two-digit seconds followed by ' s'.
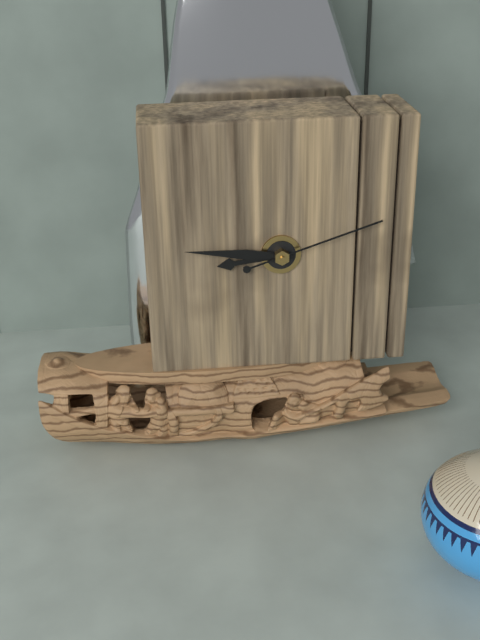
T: 8 h 46 min 12 s
